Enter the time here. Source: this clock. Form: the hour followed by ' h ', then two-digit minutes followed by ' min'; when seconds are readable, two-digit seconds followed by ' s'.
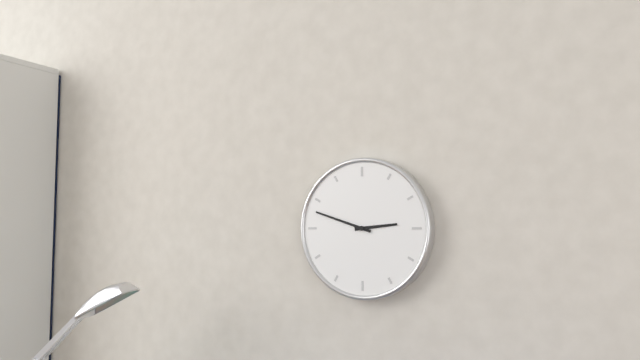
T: 2 h 48 min
